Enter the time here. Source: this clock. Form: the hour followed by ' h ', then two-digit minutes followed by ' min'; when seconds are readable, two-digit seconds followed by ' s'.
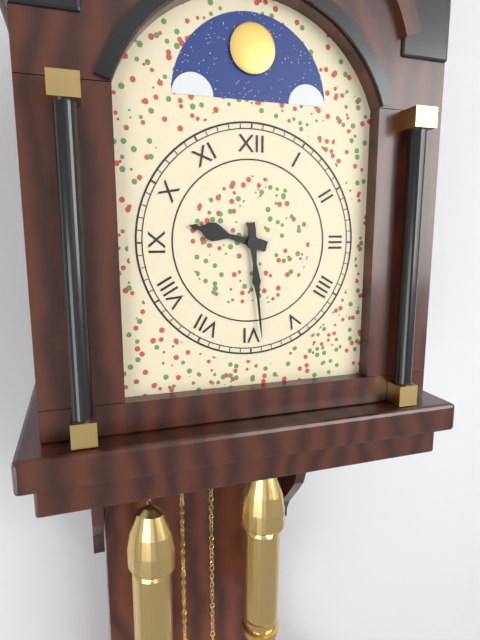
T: 9 h 29 min
